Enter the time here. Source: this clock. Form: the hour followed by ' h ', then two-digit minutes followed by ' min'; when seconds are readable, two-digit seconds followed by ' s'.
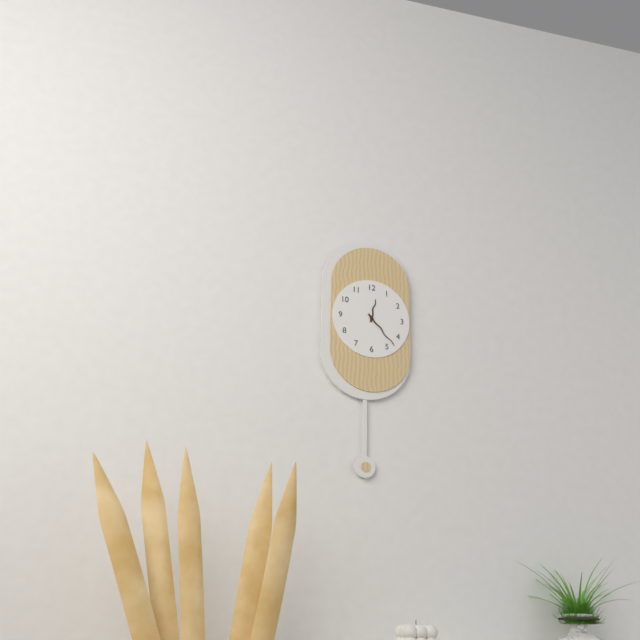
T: 12 h 23 min
